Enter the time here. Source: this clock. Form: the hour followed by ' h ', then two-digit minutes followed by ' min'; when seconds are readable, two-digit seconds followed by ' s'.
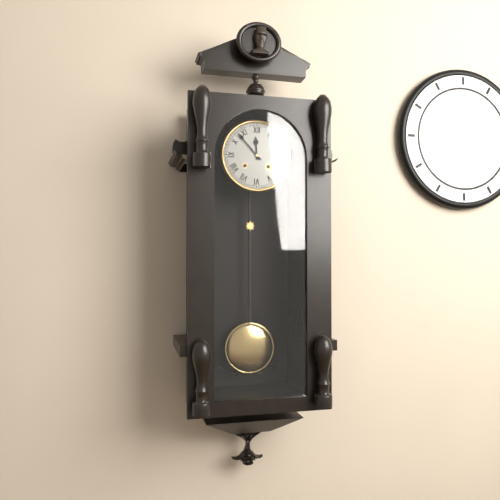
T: 11 h 53 min
